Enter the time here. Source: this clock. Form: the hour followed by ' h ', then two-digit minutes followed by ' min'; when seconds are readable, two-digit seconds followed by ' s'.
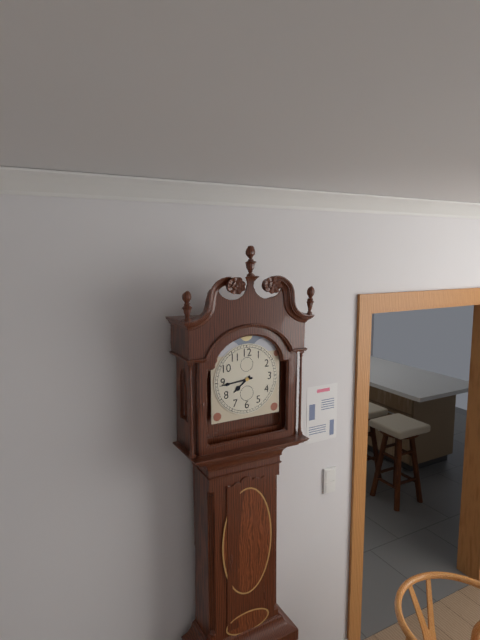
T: 7 h 44 min
